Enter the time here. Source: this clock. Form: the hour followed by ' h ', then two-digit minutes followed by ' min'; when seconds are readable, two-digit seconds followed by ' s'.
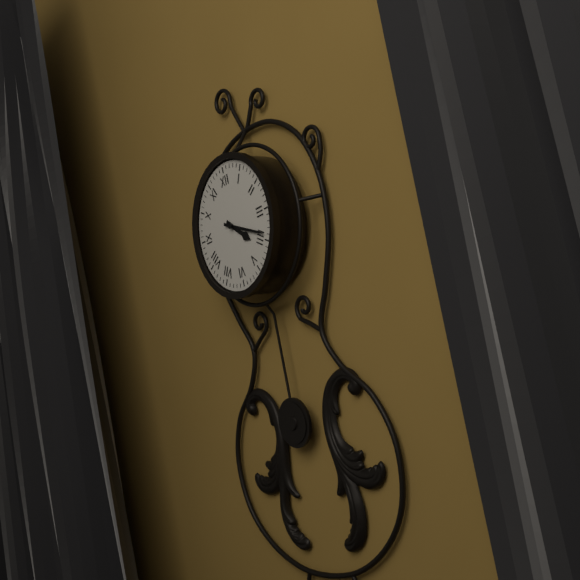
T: 4 h 19 min
